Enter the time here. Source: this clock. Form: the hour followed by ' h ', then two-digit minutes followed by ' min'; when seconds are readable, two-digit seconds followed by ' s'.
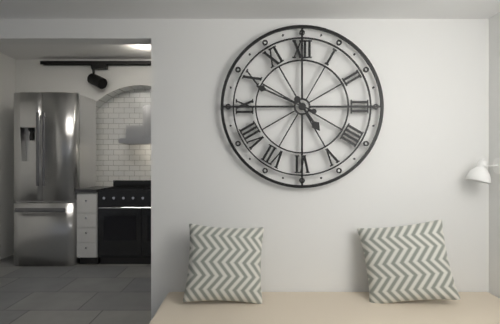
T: 4 h 49 min
